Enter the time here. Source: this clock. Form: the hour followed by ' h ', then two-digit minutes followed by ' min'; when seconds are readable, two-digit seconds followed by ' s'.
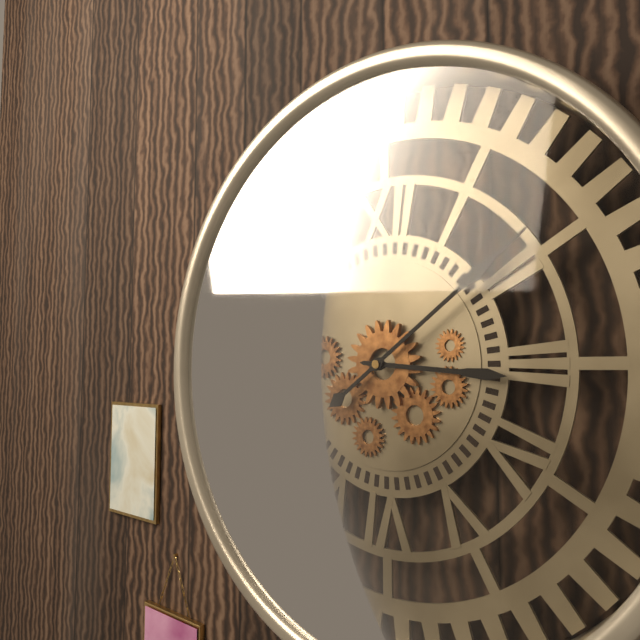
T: 3 h 09 min
